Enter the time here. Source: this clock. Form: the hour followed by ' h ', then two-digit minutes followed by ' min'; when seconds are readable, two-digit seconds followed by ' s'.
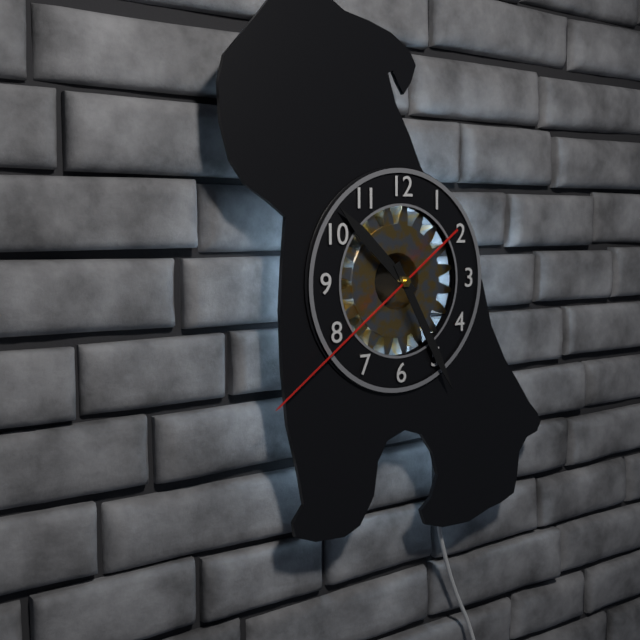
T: 10 h 25 min 39 s
